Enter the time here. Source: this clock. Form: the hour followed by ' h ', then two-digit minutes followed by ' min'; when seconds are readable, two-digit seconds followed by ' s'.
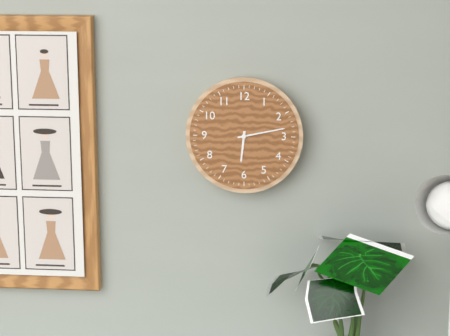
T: 6 h 13 min
